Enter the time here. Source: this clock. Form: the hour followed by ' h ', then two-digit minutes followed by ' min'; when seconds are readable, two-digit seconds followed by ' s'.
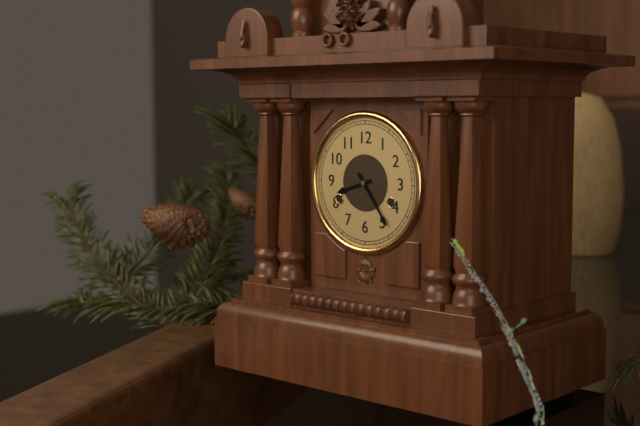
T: 8 h 24 min
